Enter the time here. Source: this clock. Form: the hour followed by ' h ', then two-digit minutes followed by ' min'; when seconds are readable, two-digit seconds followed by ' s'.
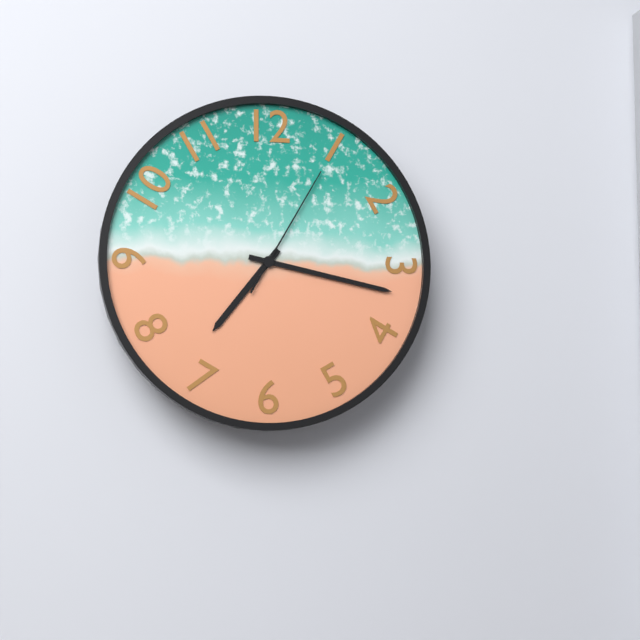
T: 7 h 17 min 05 s
